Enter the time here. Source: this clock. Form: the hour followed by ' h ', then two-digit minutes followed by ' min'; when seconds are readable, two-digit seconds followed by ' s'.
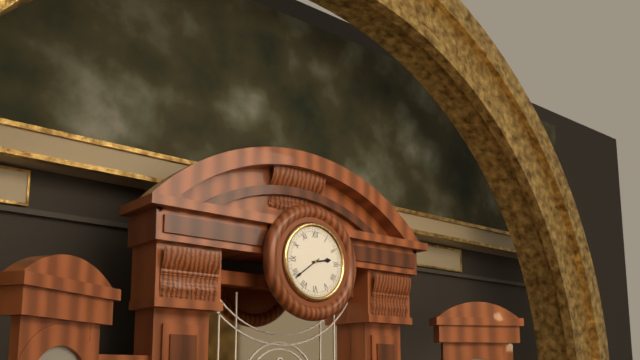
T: 2 h 39 min
